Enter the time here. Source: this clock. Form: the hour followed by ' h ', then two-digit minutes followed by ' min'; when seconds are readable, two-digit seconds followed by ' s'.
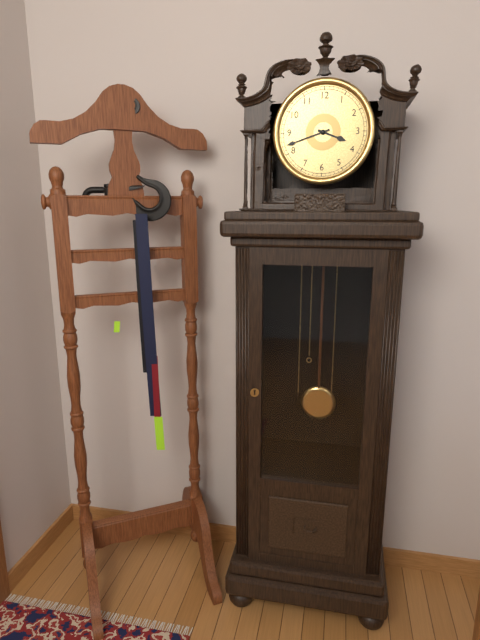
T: 3 h 42 min
